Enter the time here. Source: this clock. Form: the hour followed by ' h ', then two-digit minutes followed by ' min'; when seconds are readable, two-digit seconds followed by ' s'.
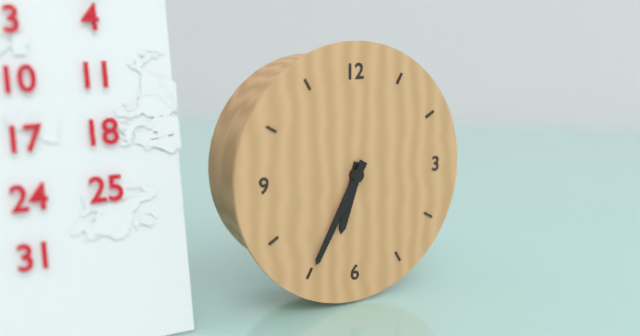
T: 6 h 35 min
